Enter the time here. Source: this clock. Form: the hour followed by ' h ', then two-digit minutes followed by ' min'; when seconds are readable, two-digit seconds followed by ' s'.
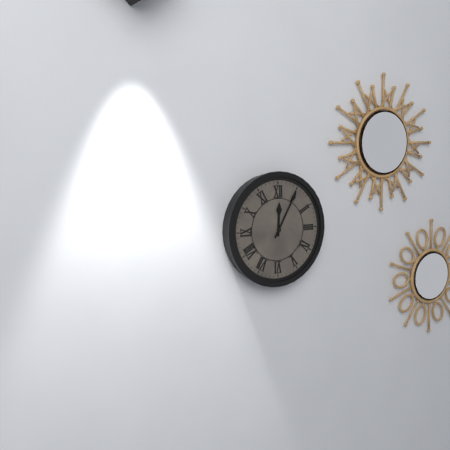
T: 12 h 05 min
